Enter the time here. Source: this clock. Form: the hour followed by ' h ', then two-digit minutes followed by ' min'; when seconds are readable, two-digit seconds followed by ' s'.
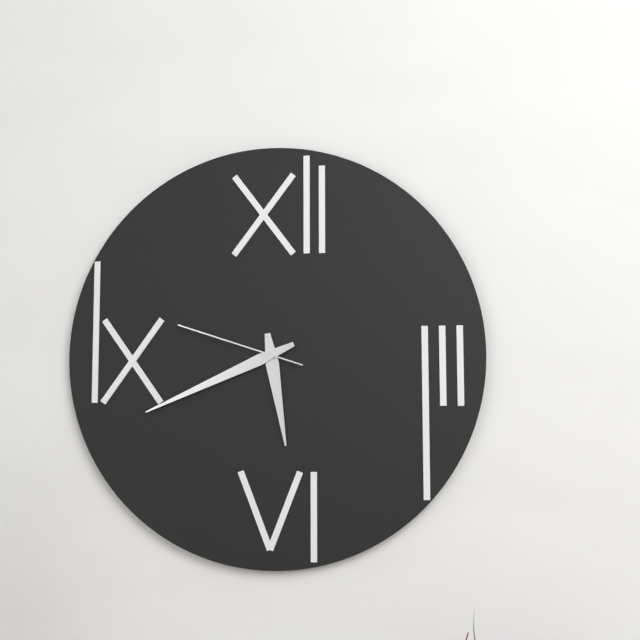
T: 5 h 41 min 48 s
